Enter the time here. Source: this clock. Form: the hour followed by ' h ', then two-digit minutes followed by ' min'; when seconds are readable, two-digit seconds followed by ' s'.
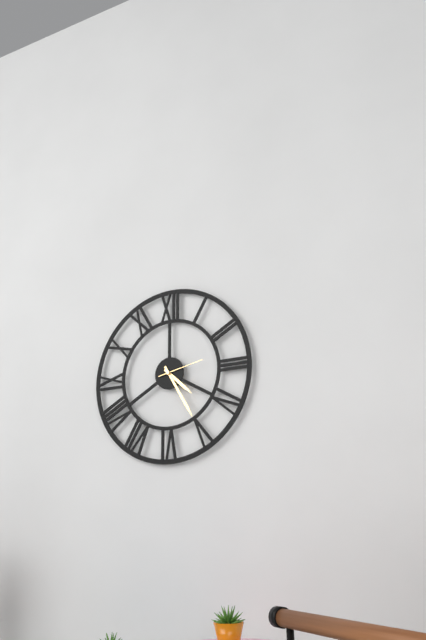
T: 4 h 25 min
